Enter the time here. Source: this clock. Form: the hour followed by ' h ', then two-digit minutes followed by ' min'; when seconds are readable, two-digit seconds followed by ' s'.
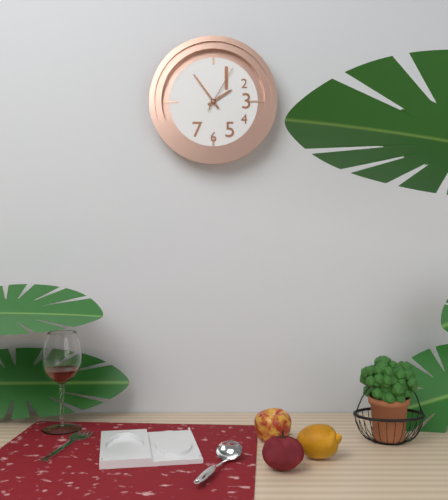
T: 1 h 54 min
